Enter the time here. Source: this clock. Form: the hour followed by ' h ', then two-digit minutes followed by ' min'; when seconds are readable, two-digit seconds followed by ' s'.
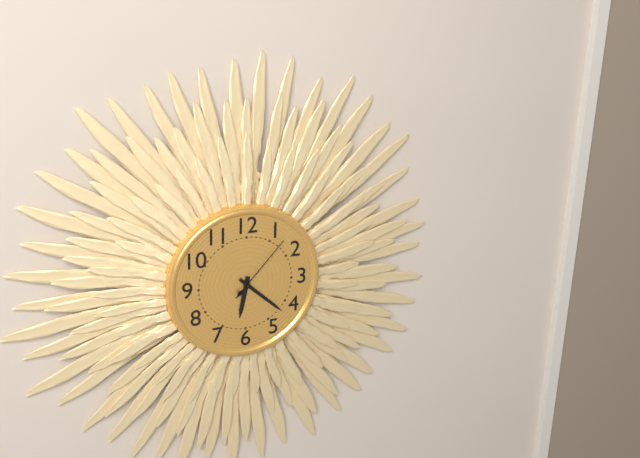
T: 6 h 22 min 07 s
